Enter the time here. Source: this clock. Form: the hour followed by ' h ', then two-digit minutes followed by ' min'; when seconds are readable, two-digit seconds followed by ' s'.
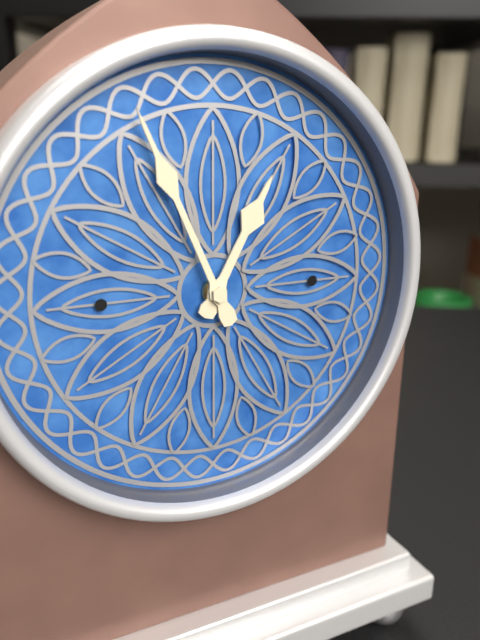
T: 12 h 56 min
